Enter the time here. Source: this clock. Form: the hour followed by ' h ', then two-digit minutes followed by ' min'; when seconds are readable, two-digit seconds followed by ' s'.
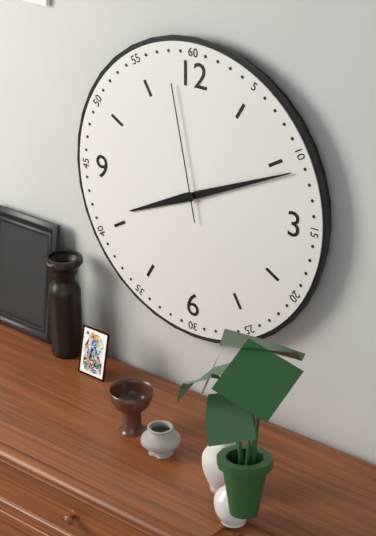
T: 8 h 11 min 58 s
